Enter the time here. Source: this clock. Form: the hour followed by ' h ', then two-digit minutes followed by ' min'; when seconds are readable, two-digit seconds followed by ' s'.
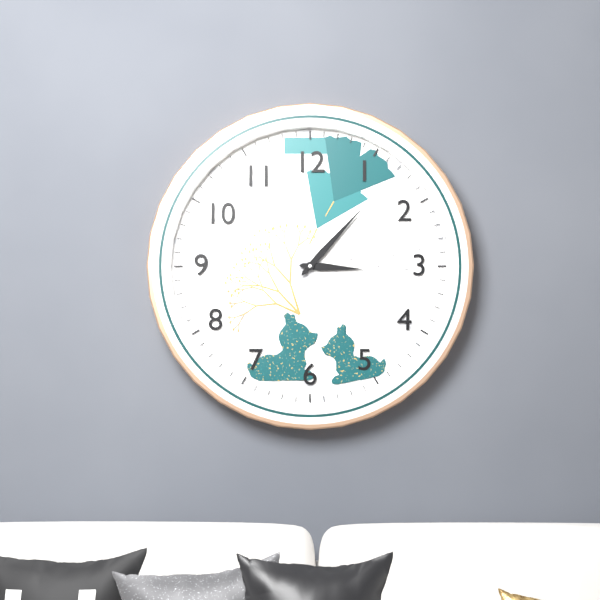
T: 3 h 07 min
